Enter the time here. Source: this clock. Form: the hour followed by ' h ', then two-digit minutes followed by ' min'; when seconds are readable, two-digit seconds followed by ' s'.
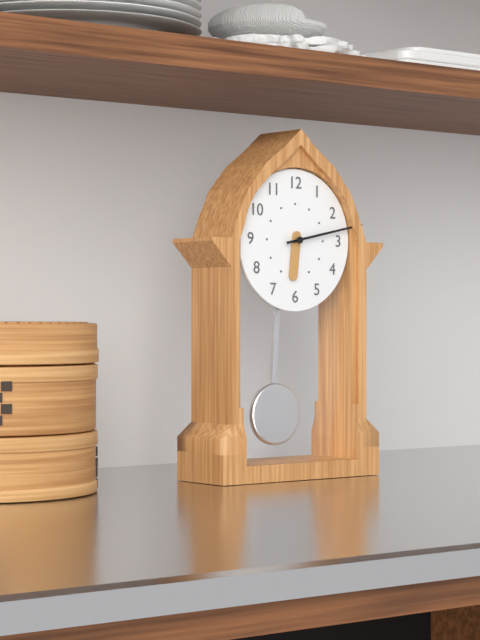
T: 6 h 13 min
